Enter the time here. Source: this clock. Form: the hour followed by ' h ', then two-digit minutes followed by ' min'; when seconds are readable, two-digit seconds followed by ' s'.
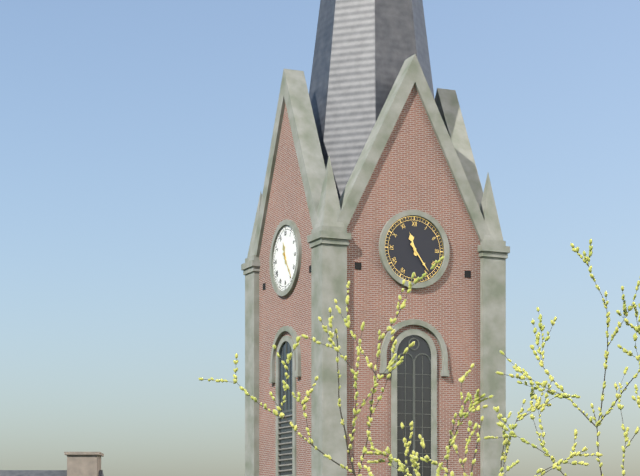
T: 11 h 24 min
